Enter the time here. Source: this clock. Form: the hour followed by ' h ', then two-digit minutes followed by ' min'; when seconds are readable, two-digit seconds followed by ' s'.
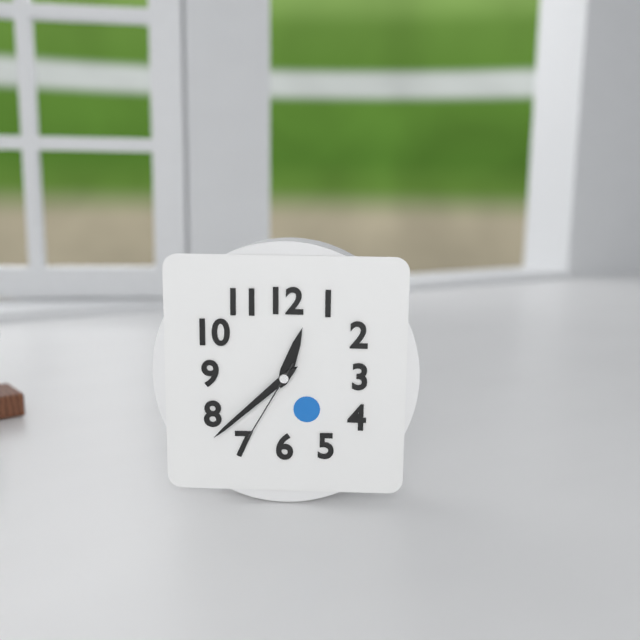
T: 12 h 38 min 35 s
